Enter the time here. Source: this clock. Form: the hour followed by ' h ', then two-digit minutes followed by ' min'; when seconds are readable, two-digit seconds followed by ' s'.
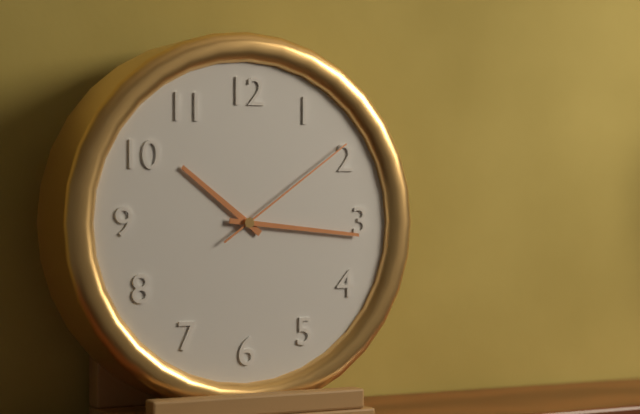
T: 10 h 16 min 09 s
